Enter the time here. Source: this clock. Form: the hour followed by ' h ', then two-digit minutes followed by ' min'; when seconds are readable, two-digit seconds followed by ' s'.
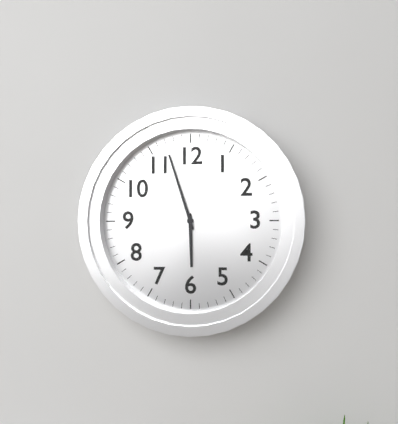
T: 5 h 57 min
